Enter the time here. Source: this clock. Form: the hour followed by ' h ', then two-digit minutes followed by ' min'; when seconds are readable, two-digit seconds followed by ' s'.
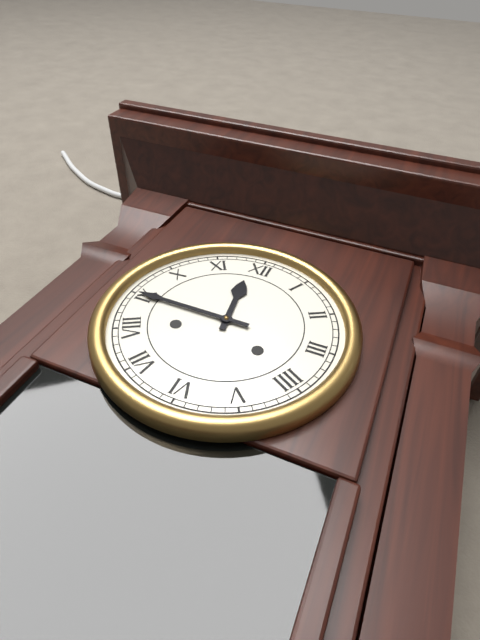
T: 11 h 45 min
